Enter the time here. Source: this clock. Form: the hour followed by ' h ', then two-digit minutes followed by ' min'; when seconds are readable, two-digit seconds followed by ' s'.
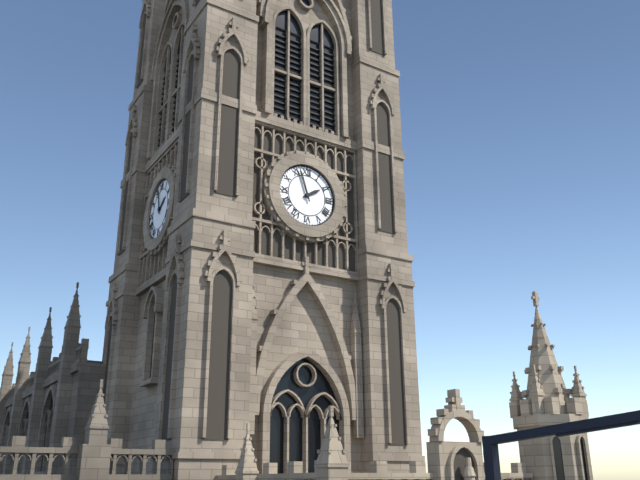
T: 1 h 57 min
